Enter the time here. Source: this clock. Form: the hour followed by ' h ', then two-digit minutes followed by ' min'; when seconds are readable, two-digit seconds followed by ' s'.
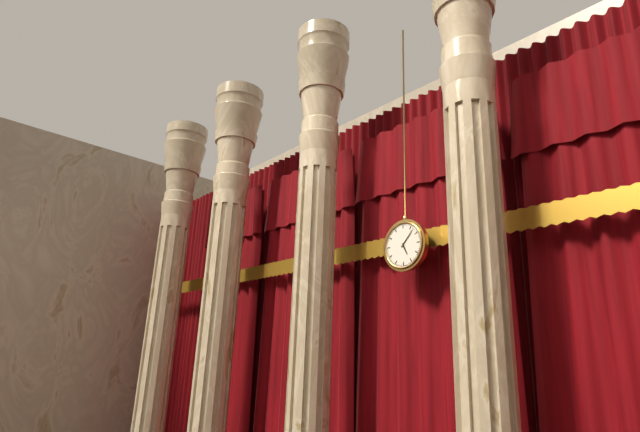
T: 5 h 07 min
